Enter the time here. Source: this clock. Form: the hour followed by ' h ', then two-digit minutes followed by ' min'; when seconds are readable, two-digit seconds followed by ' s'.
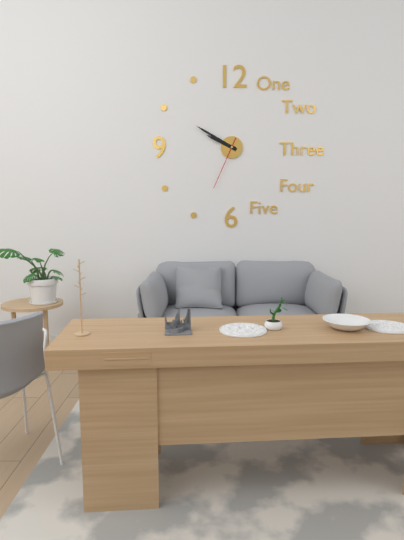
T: 9 h 50 min 34 s
